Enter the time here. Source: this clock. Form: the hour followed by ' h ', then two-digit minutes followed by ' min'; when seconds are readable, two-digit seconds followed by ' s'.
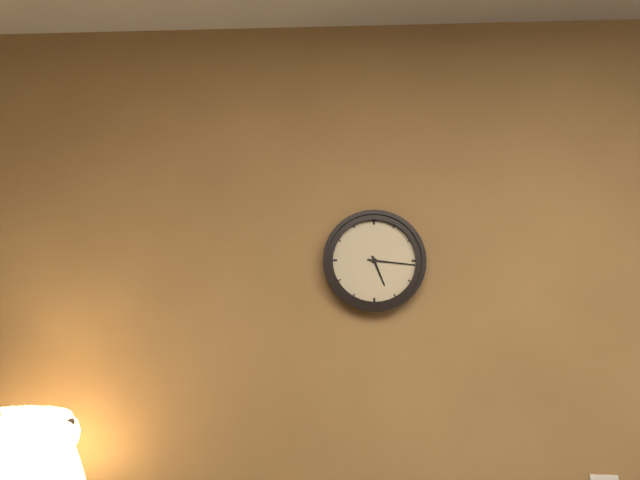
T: 5 h 16 min
